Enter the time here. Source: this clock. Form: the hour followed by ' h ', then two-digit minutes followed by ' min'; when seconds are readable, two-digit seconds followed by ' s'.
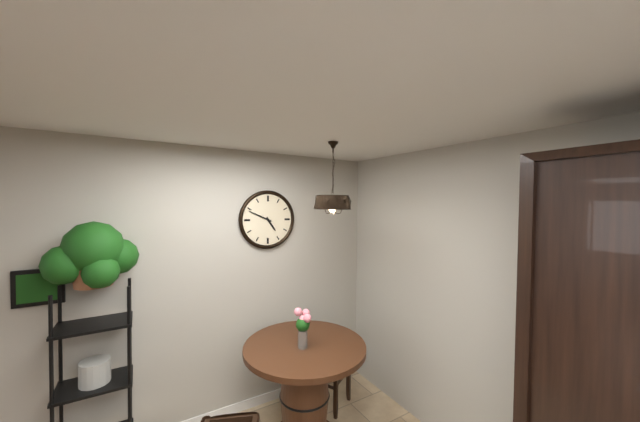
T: 4 h 49 min
